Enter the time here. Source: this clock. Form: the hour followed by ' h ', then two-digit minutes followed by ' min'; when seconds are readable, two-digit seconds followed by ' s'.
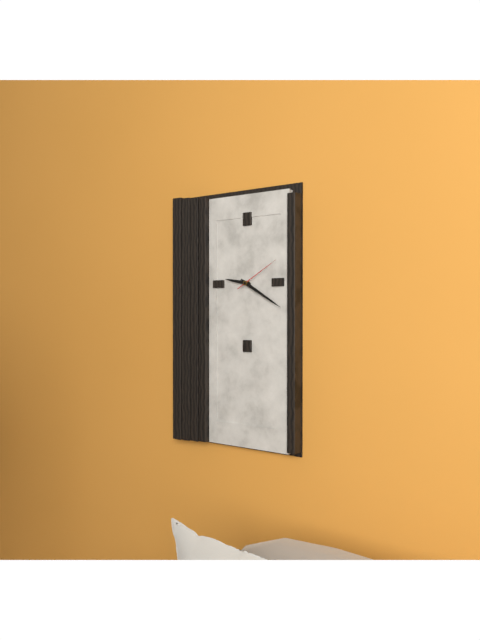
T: 9 h 20 min
